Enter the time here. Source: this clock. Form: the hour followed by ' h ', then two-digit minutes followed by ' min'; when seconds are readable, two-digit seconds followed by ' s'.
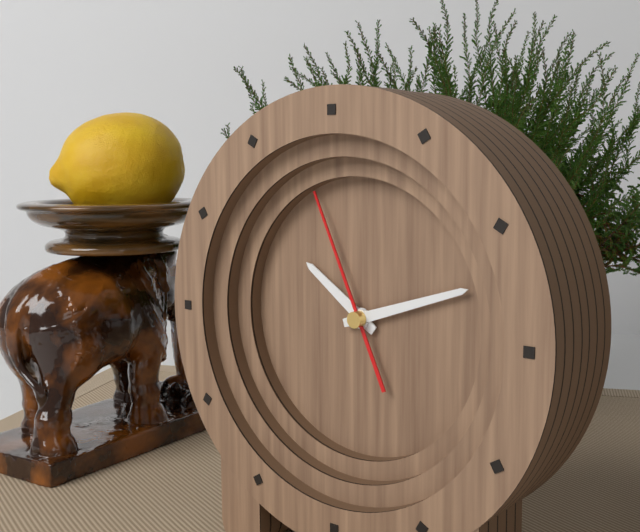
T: 10 h 12 min 56 s
